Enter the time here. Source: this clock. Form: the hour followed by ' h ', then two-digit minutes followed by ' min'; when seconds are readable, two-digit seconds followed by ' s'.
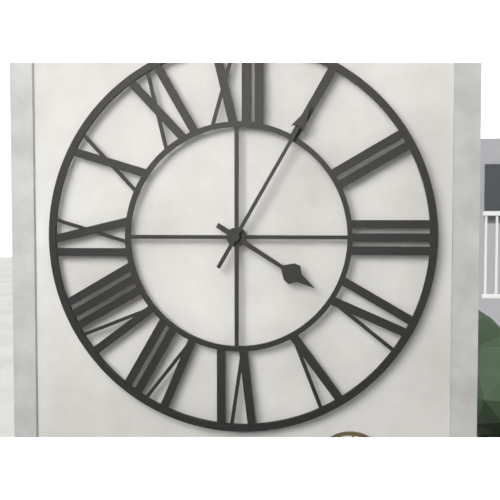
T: 4 h 05 min
